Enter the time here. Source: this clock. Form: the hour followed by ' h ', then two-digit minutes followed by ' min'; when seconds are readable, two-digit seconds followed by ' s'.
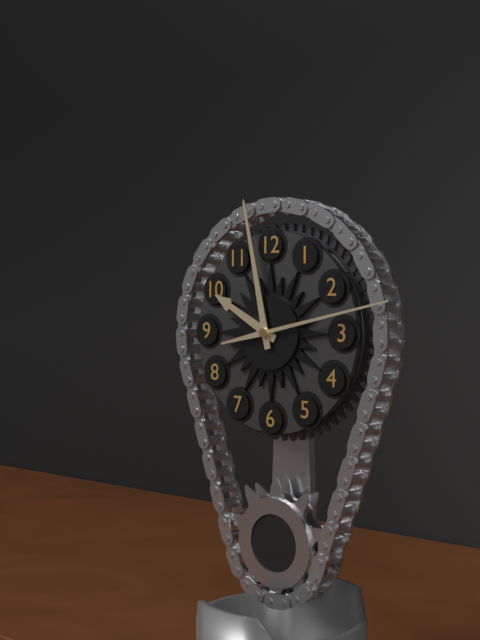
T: 9 h 58 min 13 s
